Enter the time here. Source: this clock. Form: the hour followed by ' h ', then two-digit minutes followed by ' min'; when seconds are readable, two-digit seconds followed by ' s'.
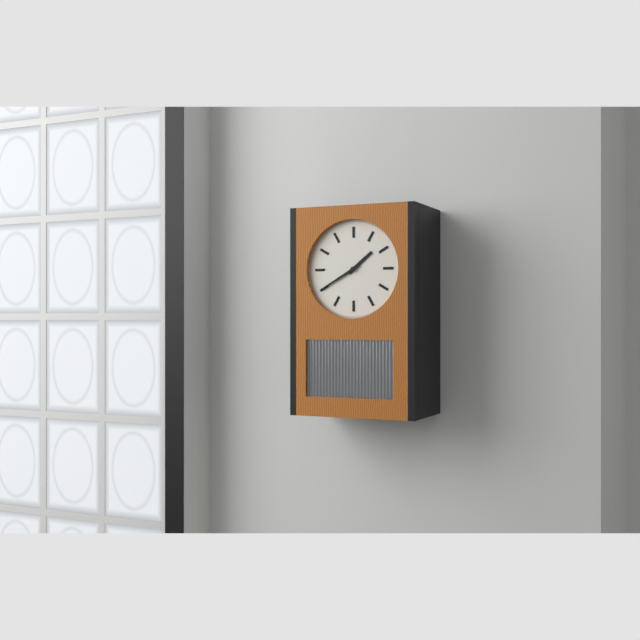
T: 1 h 40 min
